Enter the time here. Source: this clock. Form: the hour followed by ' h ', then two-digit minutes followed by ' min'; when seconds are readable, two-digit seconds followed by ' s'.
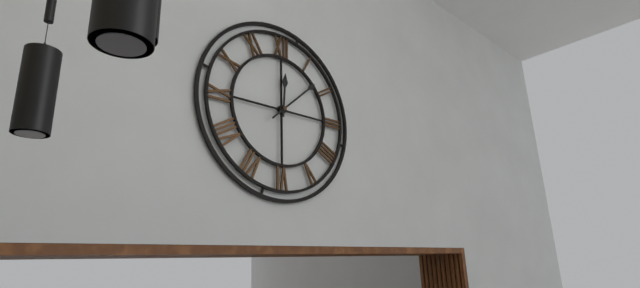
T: 12 h 08 min
